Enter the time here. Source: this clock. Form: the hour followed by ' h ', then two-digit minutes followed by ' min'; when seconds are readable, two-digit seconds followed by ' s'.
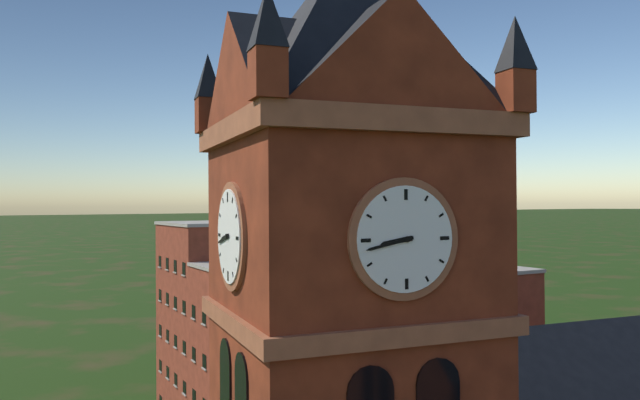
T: 8 h 43 min
